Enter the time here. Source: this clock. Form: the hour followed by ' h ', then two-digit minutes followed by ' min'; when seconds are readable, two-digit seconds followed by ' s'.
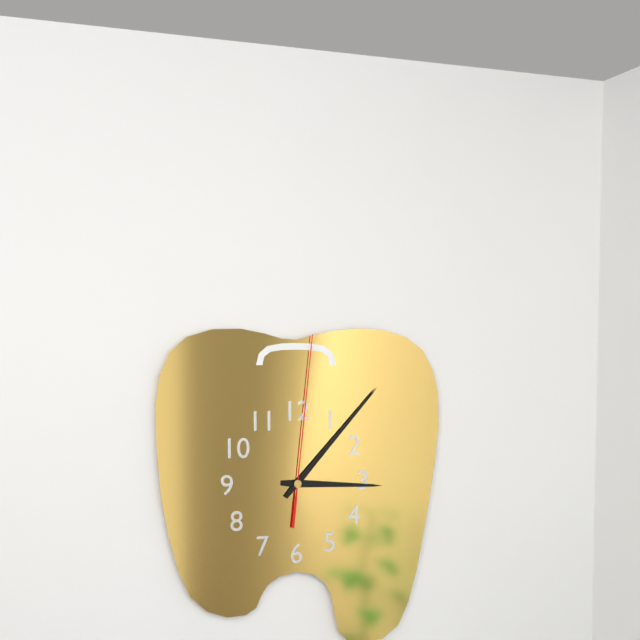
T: 3 h 07 min 01 s
